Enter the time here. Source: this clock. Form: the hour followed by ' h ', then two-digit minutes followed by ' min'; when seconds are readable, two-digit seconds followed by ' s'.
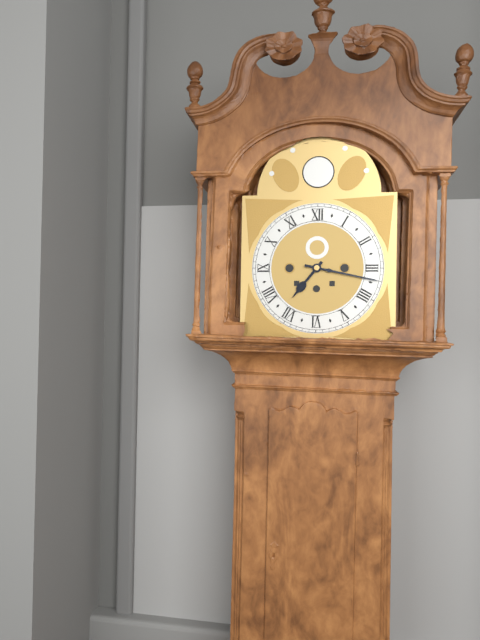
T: 7 h 17 min
